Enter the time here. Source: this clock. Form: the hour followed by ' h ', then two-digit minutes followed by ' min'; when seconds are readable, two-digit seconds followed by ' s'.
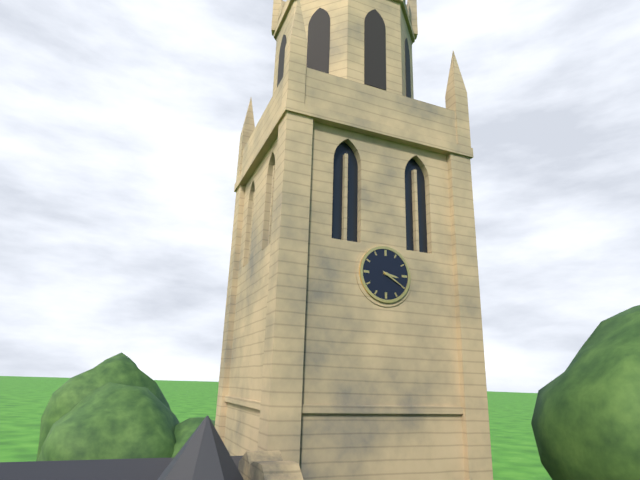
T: 3 h 20 min
